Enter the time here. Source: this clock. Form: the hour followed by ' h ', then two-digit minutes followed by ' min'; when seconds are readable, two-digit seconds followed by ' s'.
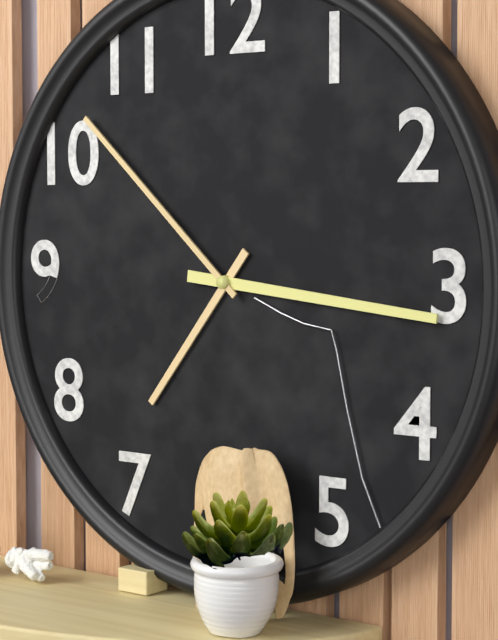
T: 7 h 16 min 52 s
